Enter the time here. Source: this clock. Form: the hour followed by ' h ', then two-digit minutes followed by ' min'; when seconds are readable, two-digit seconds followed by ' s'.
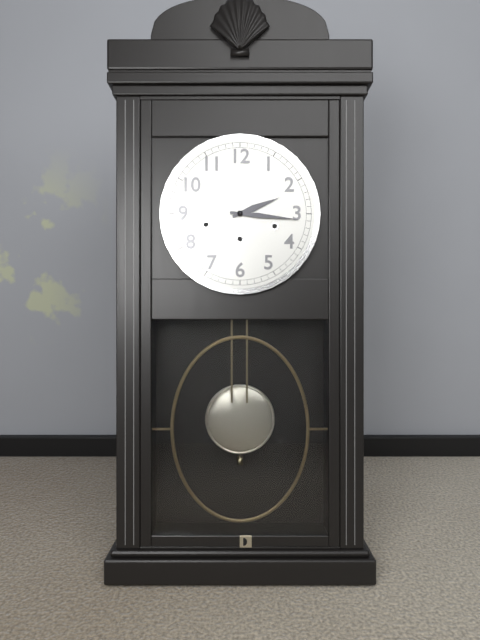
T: 2 h 16 min
